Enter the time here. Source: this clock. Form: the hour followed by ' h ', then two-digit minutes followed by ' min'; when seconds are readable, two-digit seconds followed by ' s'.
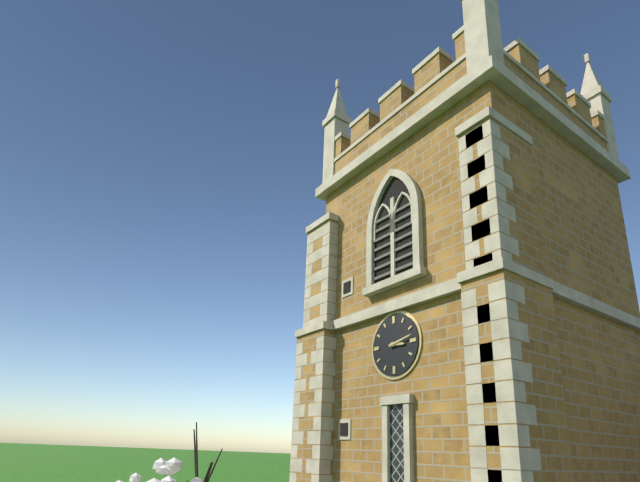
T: 3 h 13 min
